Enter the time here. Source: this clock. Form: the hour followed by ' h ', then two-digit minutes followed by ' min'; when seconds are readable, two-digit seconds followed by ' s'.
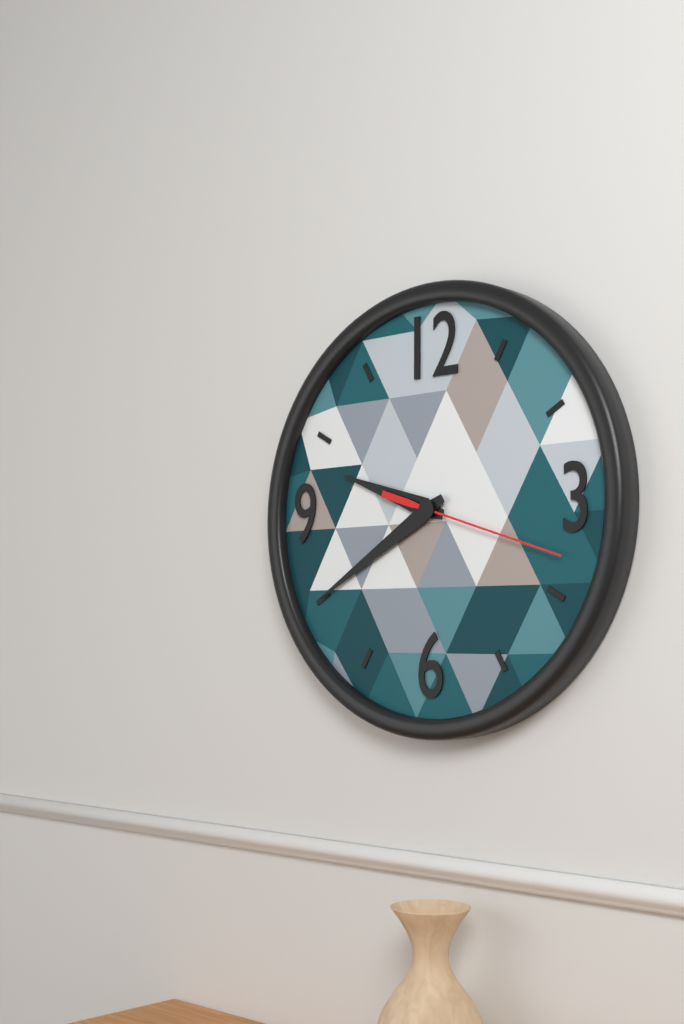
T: 9 h 40 min 18 s
